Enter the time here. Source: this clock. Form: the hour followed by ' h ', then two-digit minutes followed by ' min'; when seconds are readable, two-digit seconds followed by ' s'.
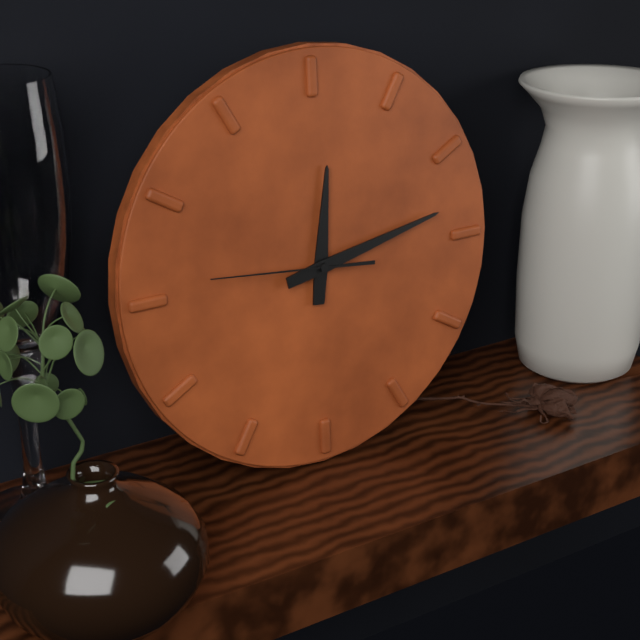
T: 12 h 13 min 46 s
